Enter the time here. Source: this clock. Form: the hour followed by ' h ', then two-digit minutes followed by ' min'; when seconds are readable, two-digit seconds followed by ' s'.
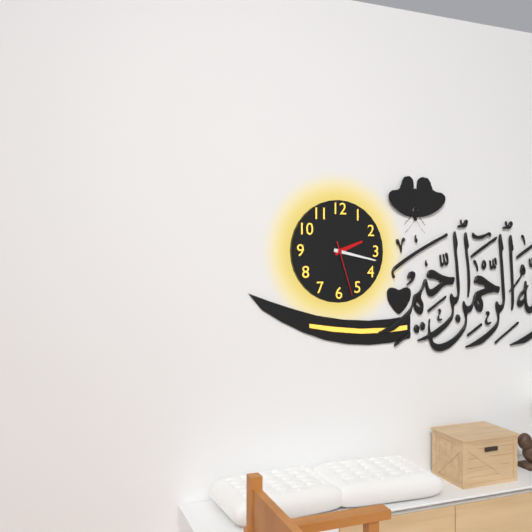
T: 2 h 17 min 27 s
